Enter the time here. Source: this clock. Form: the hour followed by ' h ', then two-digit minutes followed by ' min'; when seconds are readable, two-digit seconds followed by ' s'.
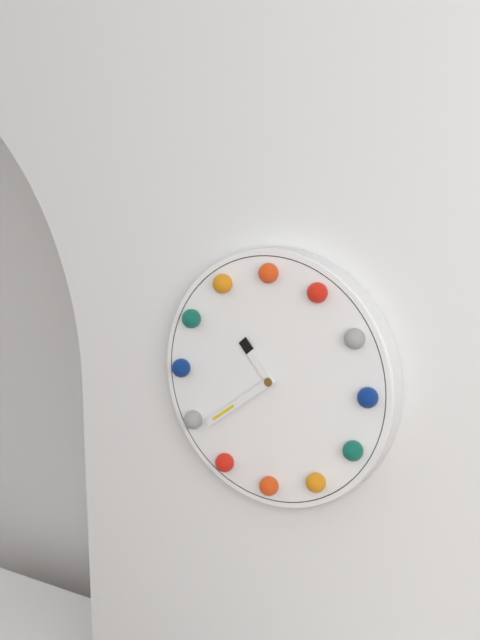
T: 10 h 39 min
